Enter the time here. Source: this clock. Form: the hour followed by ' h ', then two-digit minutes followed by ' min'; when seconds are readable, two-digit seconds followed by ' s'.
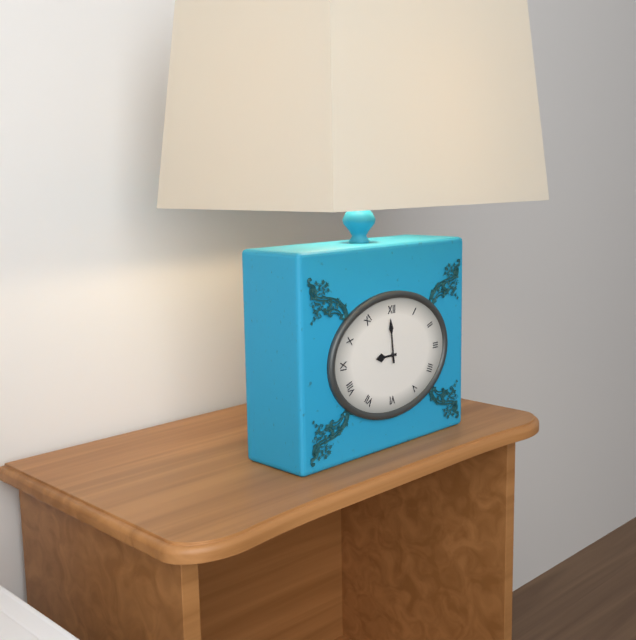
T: 8 h 59 min
